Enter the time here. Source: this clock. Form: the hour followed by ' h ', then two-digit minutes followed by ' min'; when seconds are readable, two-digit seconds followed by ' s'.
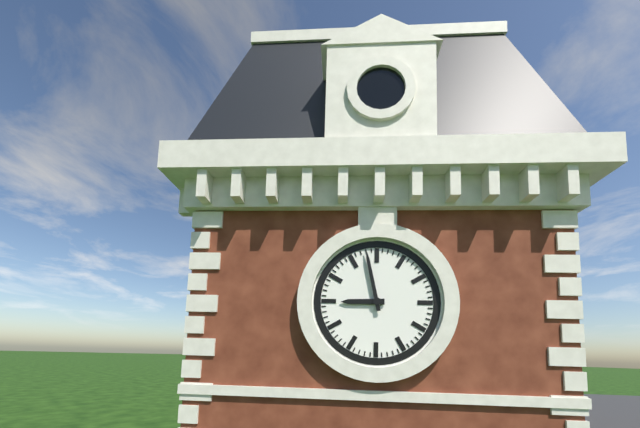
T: 8 h 58 min
